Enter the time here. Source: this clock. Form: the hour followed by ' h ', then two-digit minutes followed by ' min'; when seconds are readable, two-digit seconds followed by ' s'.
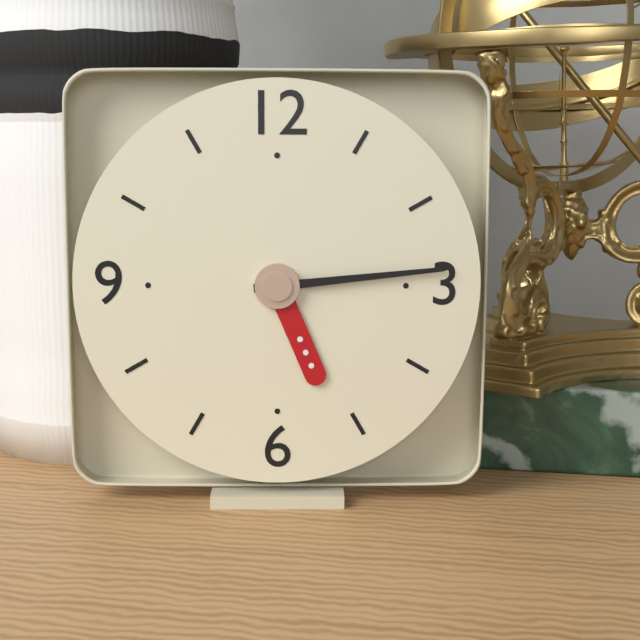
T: 5 h 14 min
